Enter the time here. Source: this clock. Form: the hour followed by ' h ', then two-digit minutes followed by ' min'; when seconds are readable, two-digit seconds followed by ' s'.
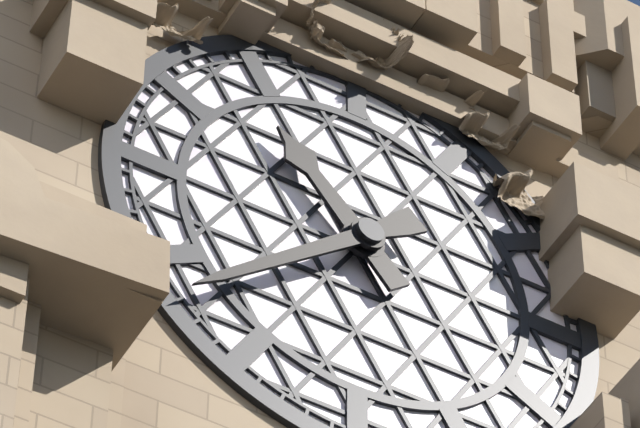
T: 10 h 38 min
